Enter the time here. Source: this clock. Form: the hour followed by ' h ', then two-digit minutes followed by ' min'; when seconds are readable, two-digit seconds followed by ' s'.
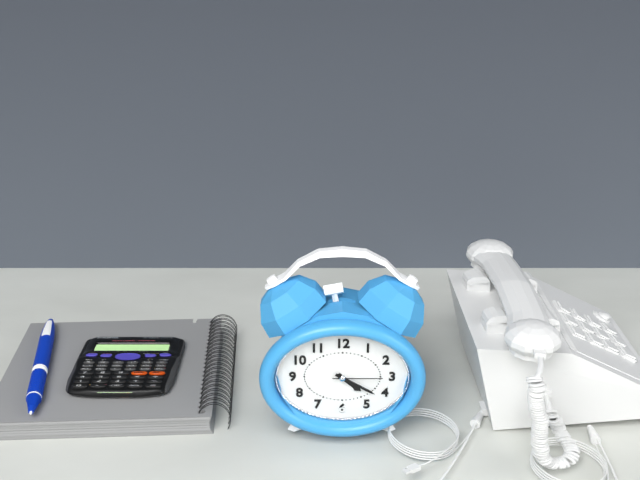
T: 4 h 20 min 15 s
